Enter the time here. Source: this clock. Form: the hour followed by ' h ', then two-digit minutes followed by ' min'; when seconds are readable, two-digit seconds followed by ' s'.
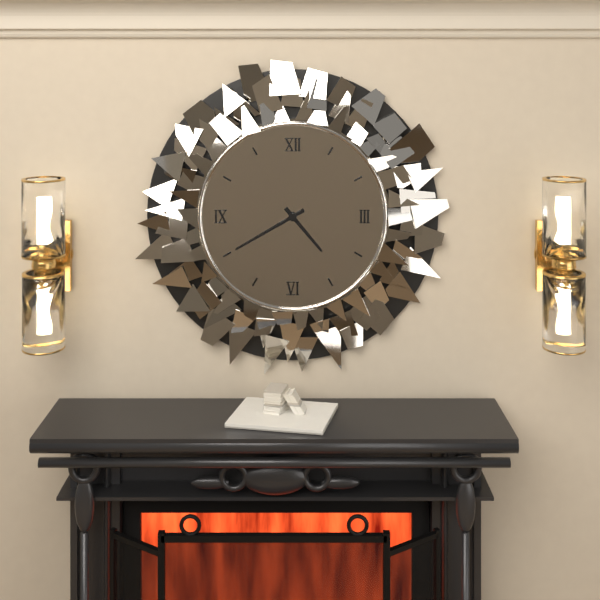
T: 4 h 40 min
